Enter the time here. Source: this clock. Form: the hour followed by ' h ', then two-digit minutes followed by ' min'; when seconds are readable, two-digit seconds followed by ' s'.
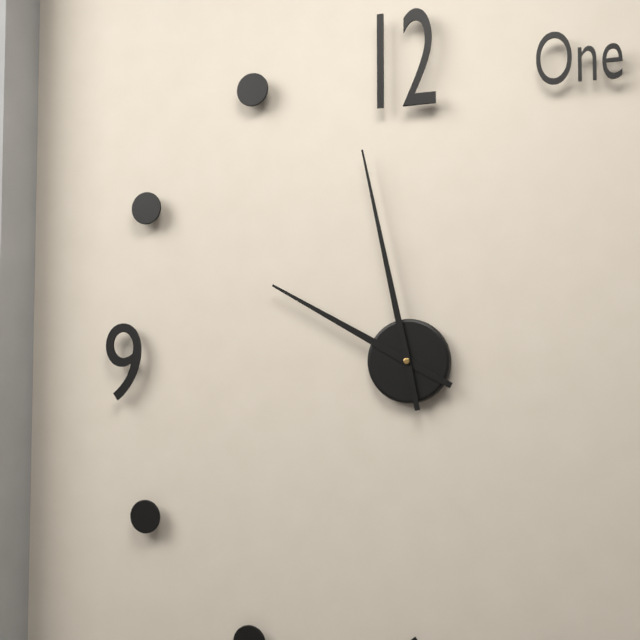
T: 9 h 58 min
